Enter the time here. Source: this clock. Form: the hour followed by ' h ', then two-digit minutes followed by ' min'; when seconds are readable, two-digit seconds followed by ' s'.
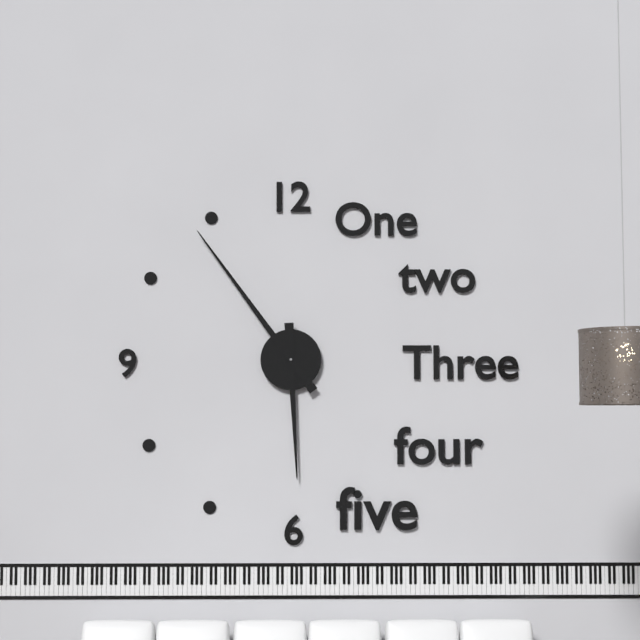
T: 5 h 54 min
